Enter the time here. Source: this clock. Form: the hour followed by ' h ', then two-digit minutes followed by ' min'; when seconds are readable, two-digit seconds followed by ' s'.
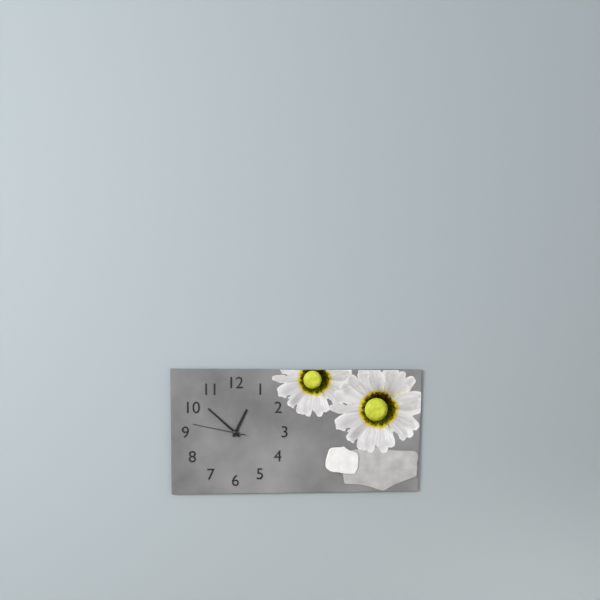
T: 12 h 52 min 47 s
